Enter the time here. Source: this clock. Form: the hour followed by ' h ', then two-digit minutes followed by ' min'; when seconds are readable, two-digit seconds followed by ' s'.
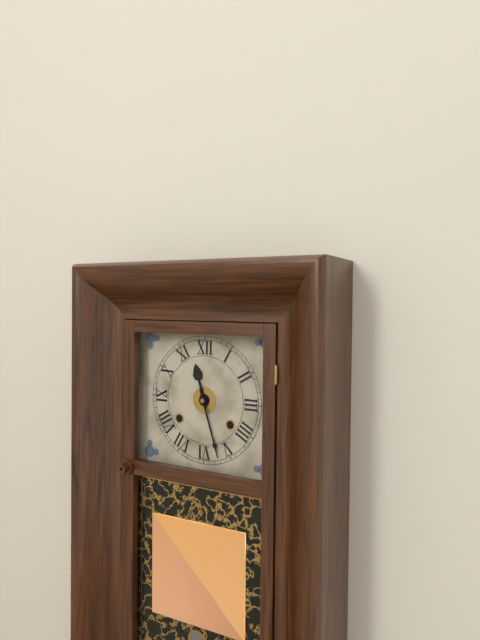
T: 11 h 27 min
